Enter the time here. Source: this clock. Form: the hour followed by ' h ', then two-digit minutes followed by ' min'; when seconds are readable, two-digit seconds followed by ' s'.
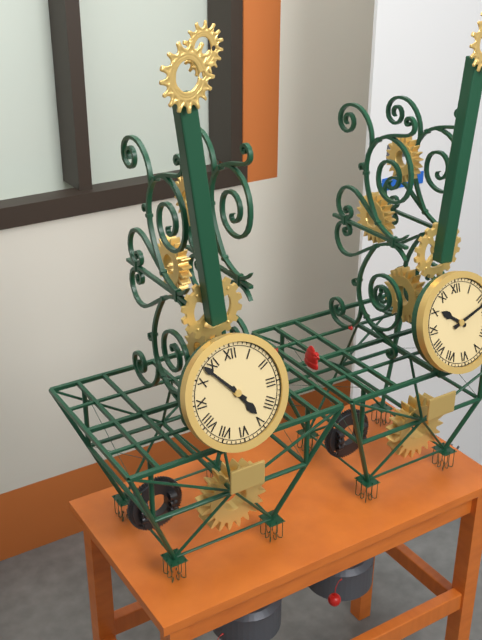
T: 4 h 53 min
